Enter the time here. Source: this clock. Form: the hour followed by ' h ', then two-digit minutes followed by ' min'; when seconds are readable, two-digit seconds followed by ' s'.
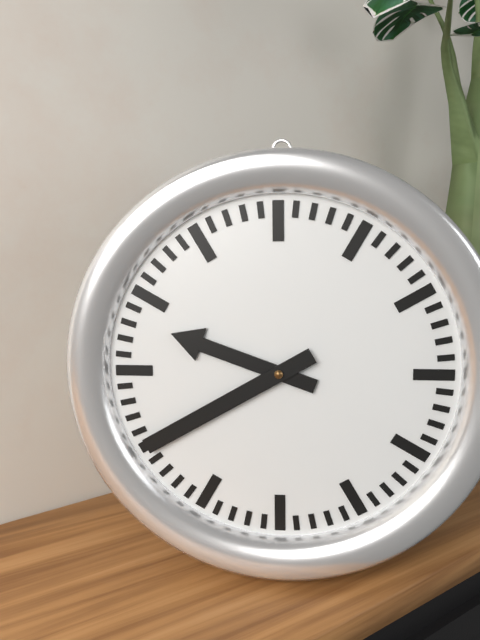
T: 9 h 40 min
